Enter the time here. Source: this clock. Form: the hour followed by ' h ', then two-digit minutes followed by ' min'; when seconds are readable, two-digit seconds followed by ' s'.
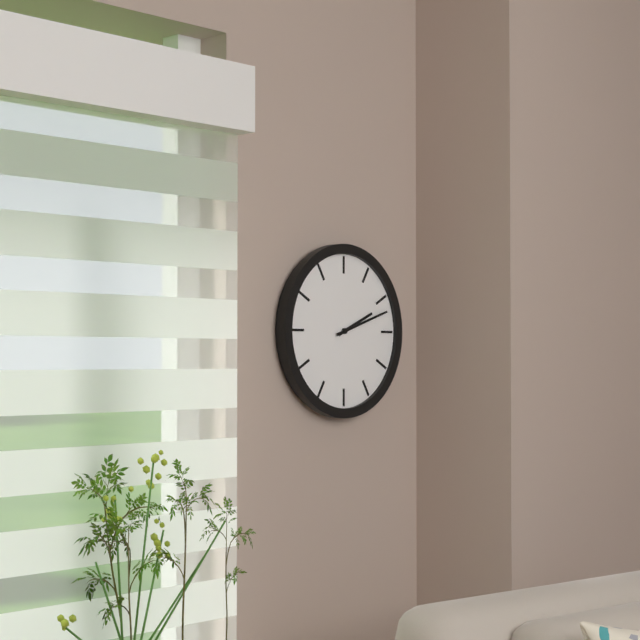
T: 2 h 12 min
